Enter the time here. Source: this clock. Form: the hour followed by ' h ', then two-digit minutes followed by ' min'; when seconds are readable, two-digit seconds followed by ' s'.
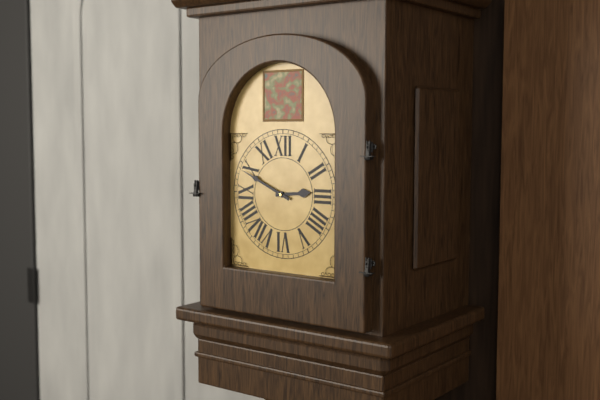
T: 2 h 49 min
